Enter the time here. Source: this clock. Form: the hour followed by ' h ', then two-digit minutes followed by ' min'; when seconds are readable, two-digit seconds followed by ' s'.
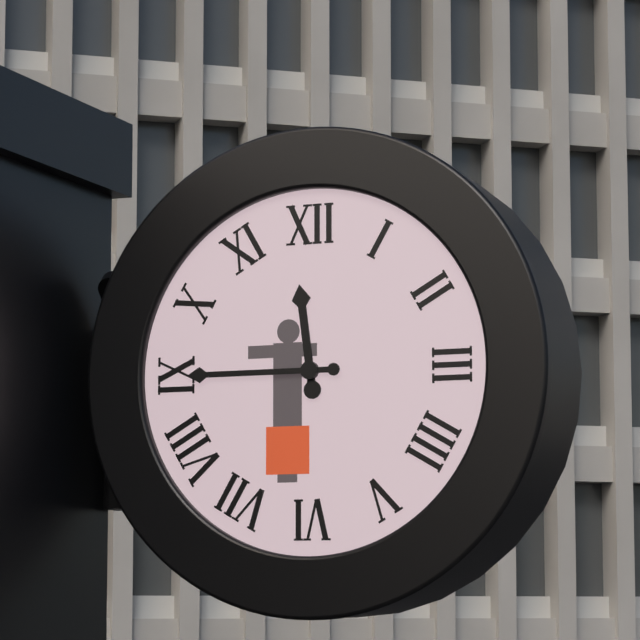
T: 11 h 45 min
